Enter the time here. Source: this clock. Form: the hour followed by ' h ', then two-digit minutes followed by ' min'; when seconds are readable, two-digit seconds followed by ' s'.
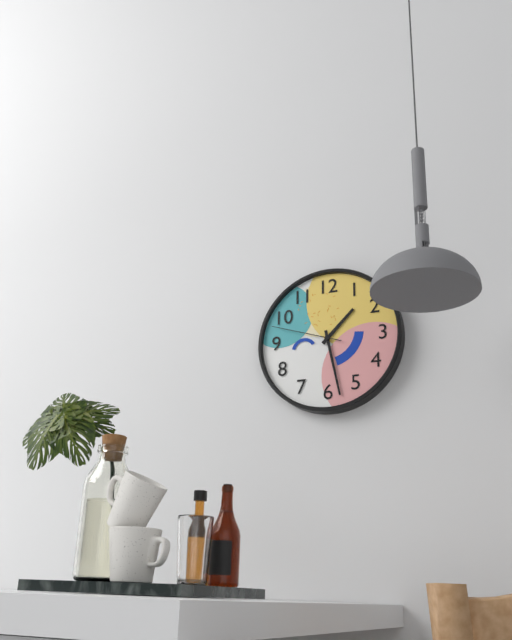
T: 1 h 28 min 48 s
